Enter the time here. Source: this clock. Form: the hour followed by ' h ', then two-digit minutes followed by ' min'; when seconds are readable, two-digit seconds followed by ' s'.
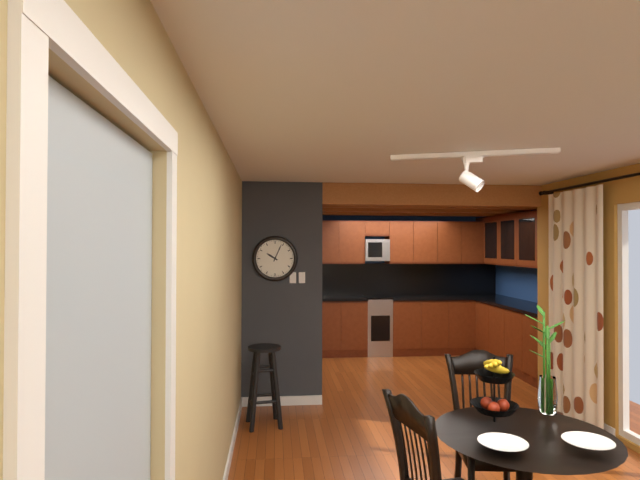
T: 10 h 04 min
